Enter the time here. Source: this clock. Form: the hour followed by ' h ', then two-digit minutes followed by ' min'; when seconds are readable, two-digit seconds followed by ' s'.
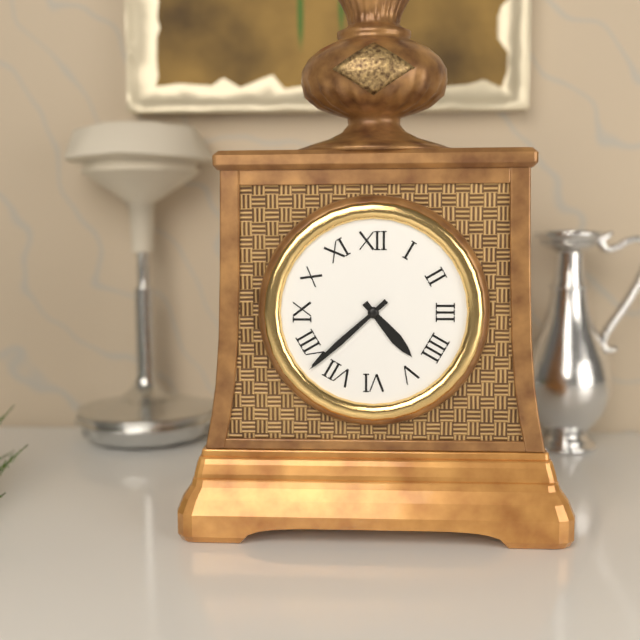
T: 4 h 38 min
